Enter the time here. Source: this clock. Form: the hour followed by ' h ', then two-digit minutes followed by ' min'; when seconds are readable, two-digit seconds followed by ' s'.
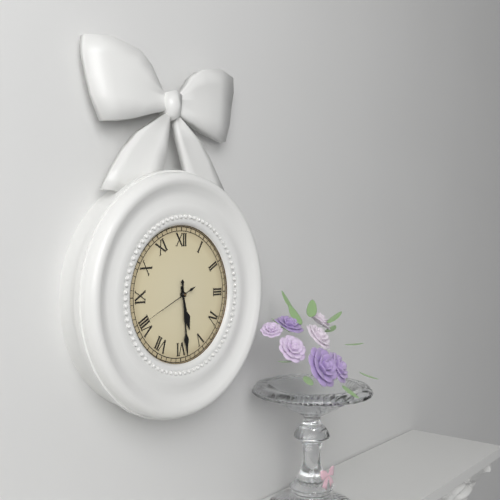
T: 5 h 29 min 41 s
